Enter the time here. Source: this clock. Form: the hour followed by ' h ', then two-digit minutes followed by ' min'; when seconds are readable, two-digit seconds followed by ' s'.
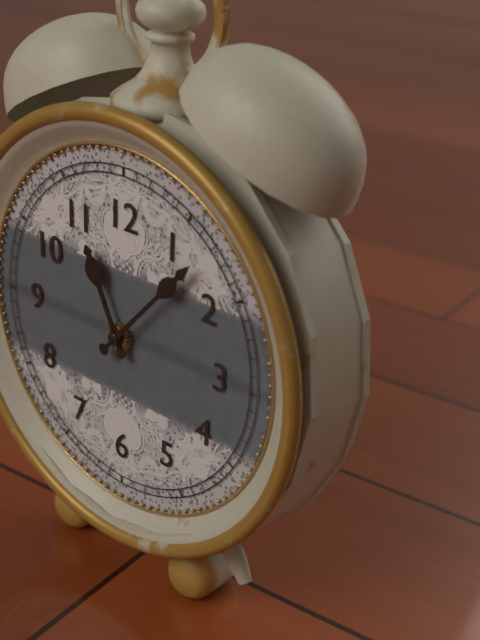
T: 11 h 07 min
